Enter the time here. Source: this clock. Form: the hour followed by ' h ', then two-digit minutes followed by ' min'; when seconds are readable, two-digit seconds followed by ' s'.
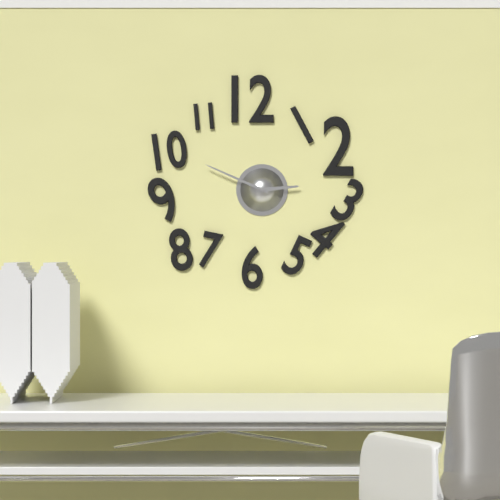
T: 2 h 49 min
